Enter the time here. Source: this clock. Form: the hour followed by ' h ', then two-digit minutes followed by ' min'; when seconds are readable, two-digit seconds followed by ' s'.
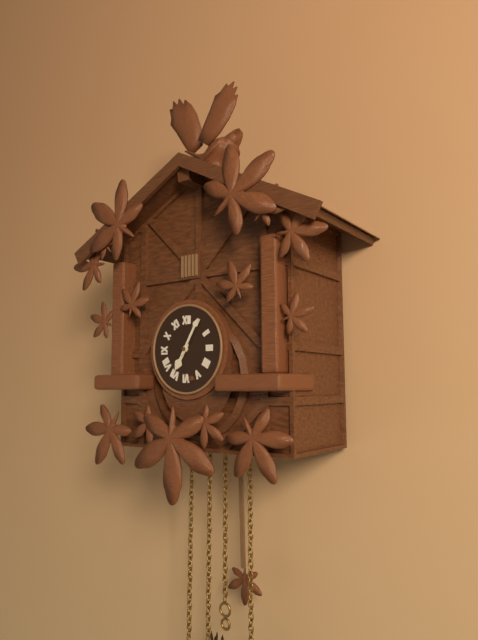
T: 7 h 05 min
